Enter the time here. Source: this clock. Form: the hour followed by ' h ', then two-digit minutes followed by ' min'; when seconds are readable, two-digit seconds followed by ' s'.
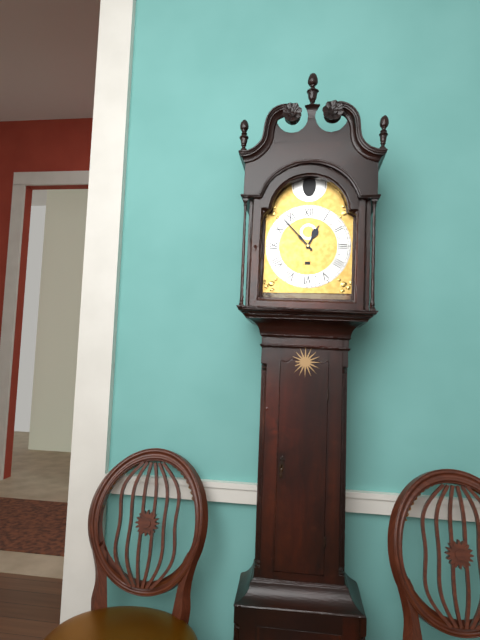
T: 12 h 53 min
